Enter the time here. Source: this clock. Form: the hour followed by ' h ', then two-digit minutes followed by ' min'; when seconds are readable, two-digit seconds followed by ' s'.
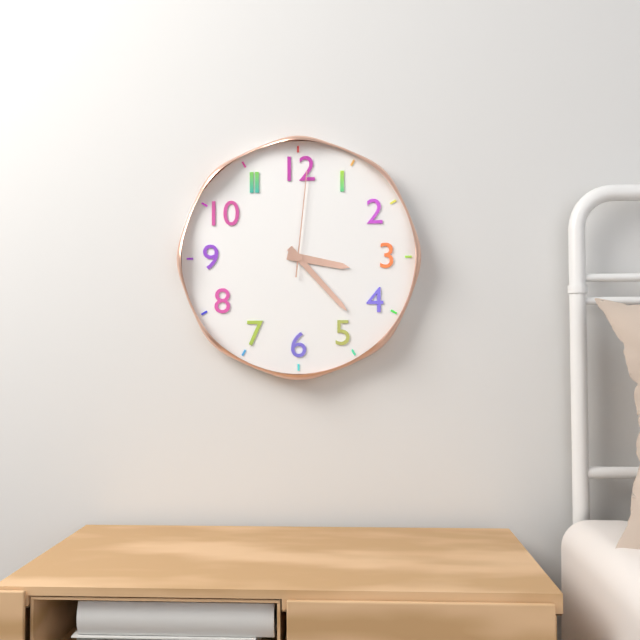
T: 3 h 23 min 01 s
